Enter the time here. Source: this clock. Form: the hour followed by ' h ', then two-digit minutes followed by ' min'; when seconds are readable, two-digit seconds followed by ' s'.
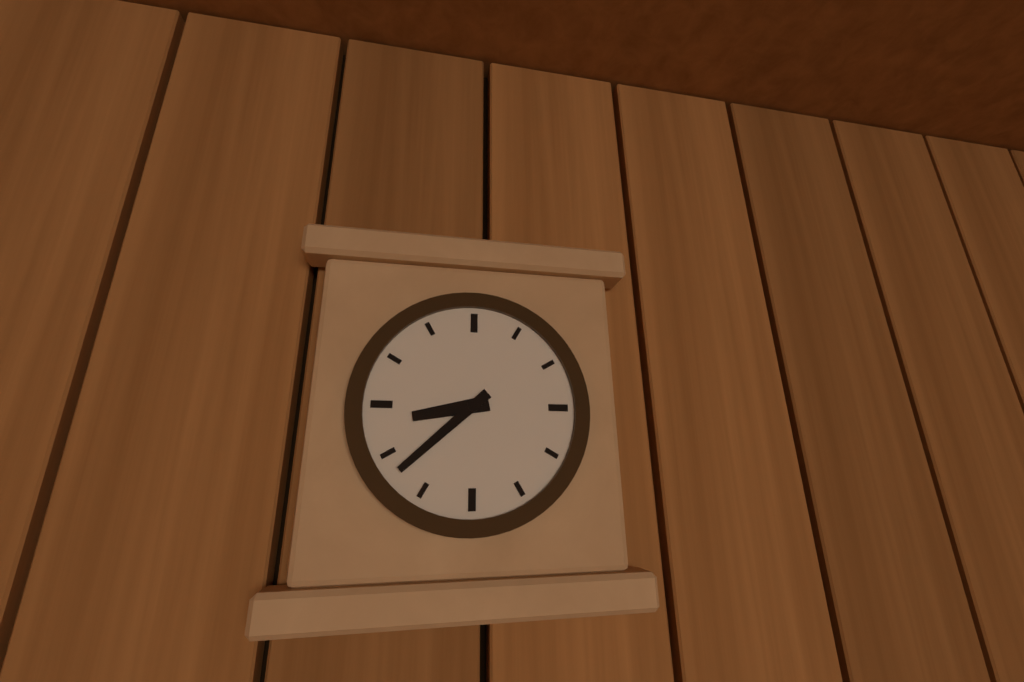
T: 8 h 38 min
